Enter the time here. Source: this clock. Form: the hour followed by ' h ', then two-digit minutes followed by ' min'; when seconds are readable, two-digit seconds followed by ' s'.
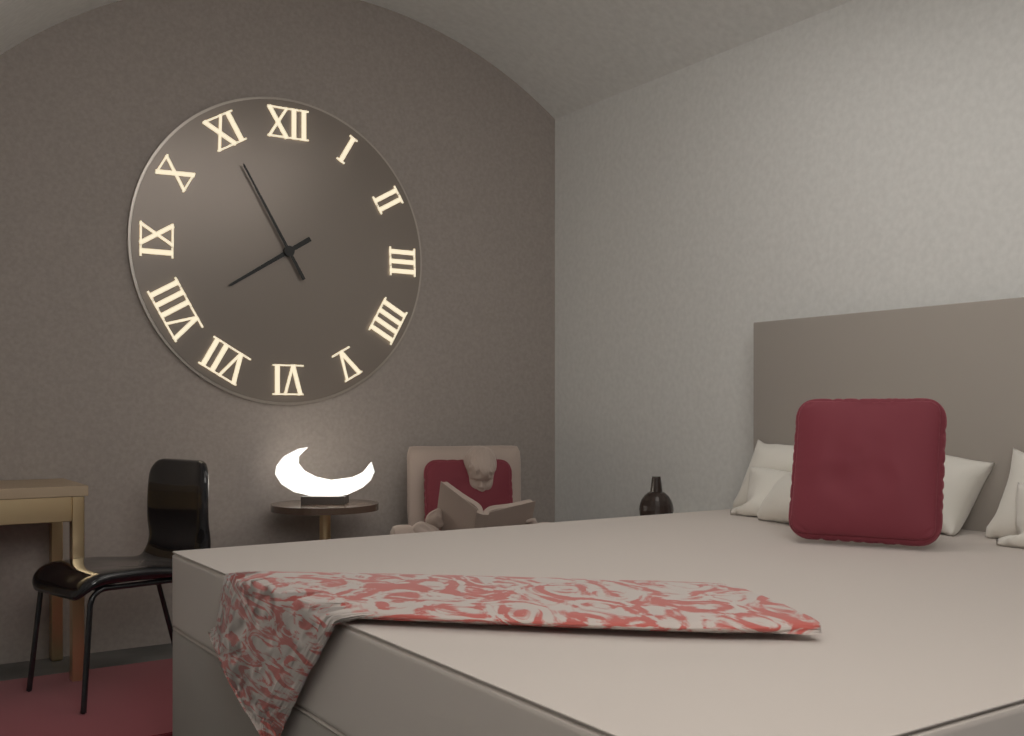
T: 7 h 55 min
